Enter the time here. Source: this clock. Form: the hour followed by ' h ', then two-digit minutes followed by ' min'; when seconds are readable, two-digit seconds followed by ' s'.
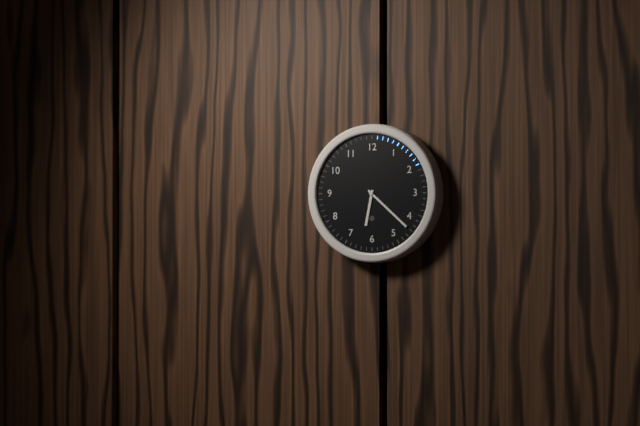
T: 6 h 22 min
